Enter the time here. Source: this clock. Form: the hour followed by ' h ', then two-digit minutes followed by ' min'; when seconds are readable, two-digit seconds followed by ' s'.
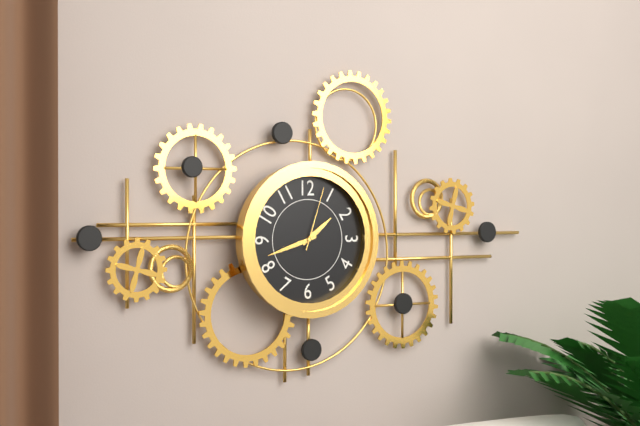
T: 1 h 42 min 03 s
